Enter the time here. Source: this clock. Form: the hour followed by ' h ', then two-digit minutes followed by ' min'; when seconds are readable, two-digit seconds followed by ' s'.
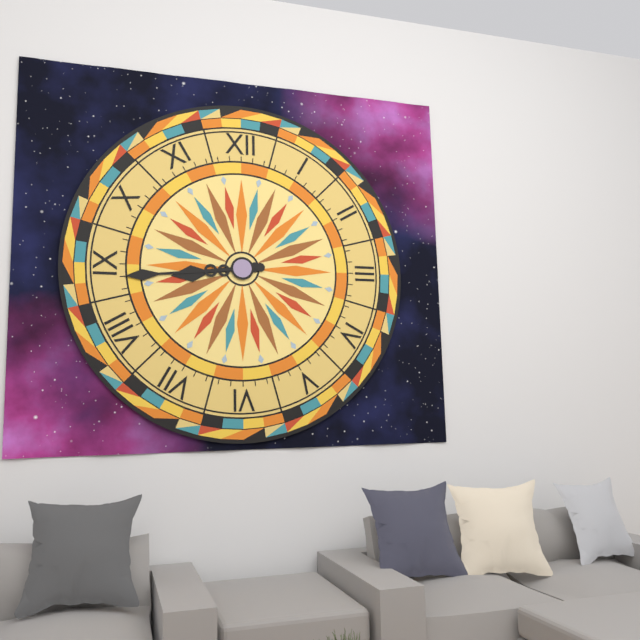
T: 8 h 44 min
